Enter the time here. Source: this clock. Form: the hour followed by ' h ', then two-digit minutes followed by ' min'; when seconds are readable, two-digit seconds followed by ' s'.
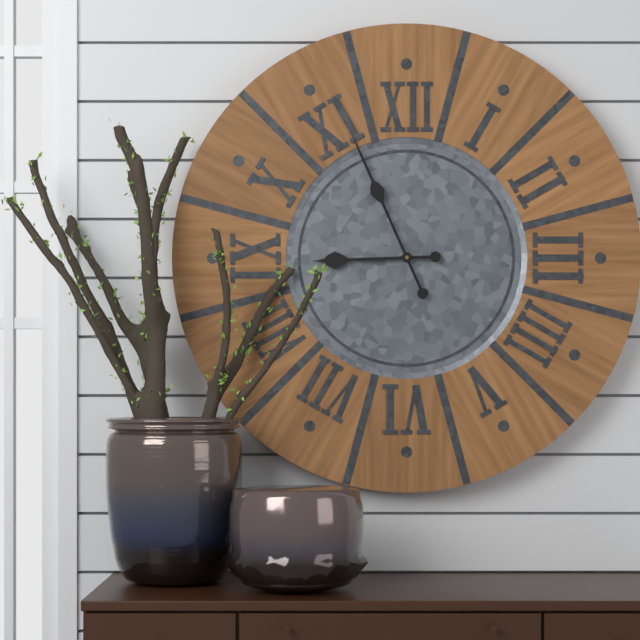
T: 8 h 56 min
